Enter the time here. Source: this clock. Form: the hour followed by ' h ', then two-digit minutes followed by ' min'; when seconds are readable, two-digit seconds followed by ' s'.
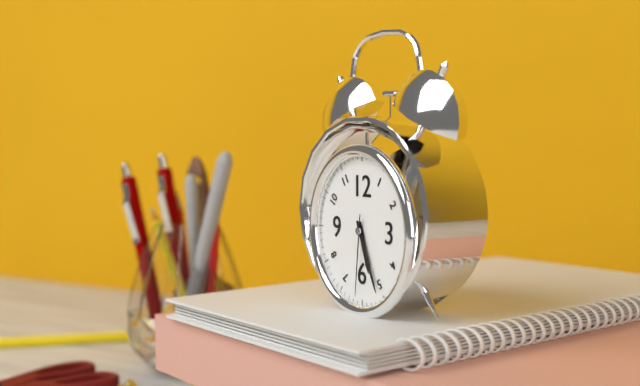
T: 5 h 26 min 31 s
